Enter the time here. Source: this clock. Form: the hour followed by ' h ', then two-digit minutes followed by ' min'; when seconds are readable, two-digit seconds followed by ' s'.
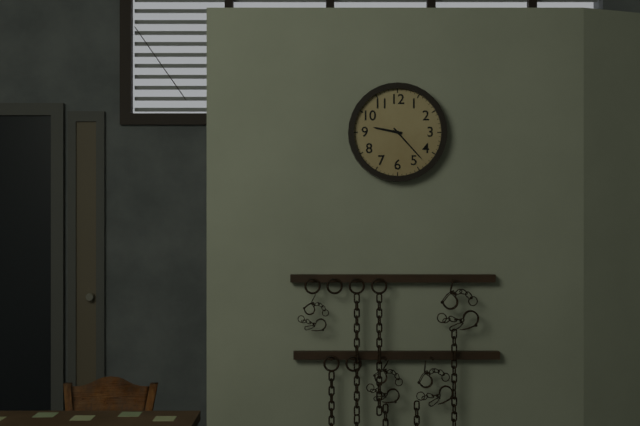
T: 9 h 23 min
